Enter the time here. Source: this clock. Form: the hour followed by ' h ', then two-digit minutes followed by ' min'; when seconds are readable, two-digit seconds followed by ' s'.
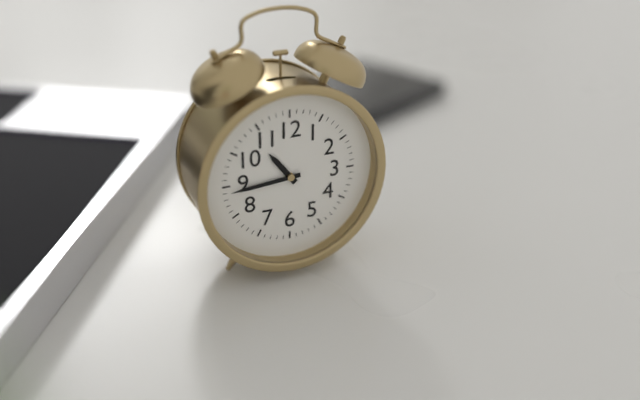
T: 10 h 44 min
